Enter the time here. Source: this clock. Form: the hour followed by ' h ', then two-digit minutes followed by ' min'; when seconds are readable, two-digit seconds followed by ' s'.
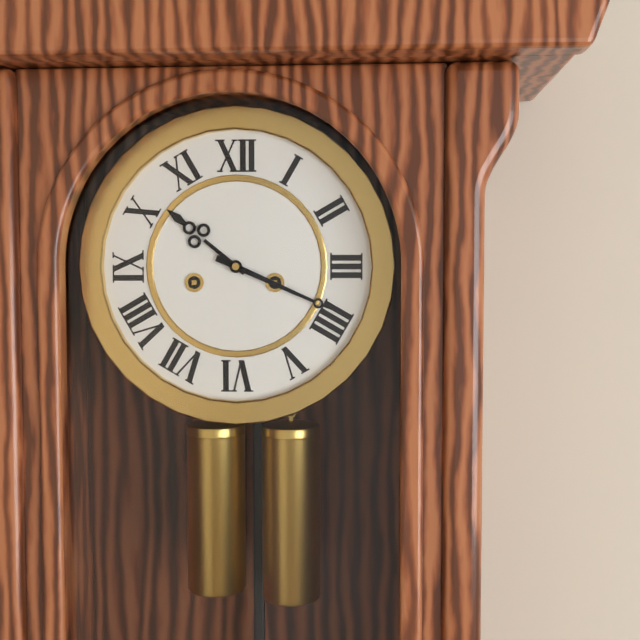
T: 10 h 19 min
